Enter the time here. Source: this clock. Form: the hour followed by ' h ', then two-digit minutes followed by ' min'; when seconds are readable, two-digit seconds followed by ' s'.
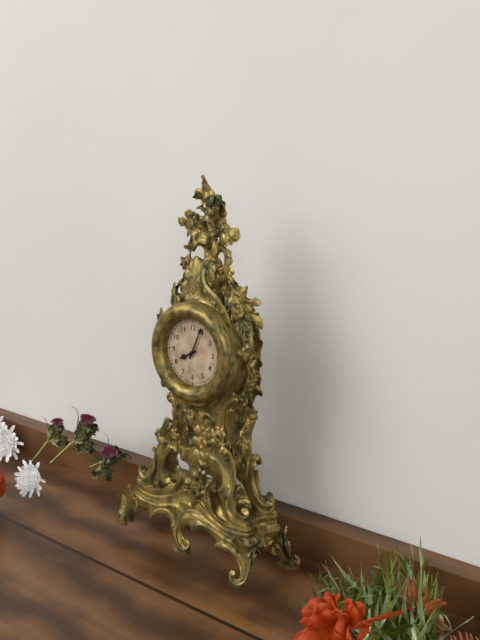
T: 8 h 04 min
